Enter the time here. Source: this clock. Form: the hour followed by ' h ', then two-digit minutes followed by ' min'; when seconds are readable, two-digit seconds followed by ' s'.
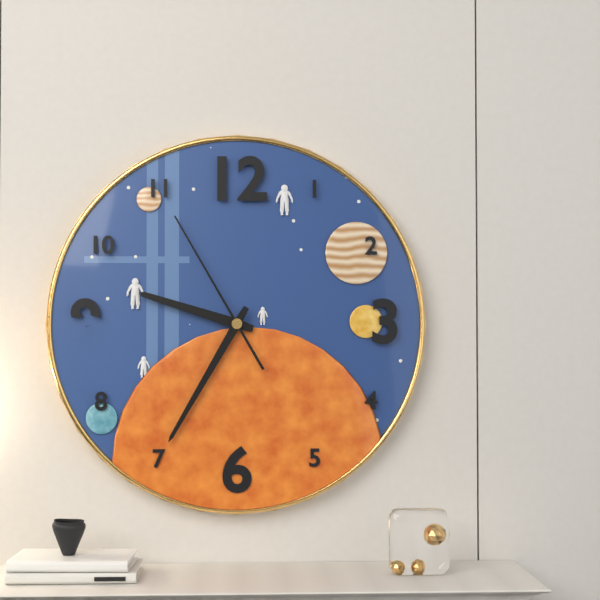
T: 9 h 35 min 55 s
